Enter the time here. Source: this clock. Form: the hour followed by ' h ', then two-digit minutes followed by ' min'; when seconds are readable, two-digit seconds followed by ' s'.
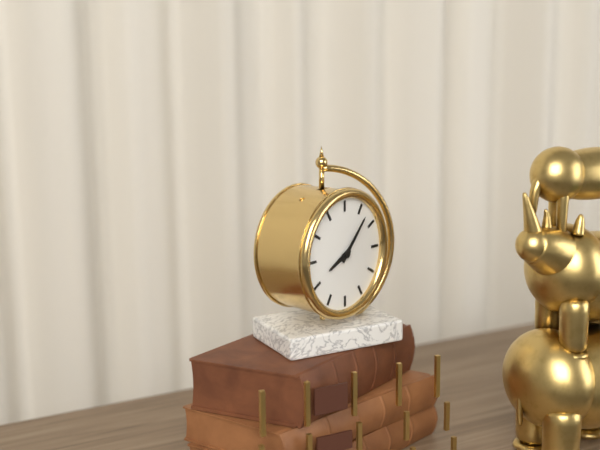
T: 8 h 07 min
